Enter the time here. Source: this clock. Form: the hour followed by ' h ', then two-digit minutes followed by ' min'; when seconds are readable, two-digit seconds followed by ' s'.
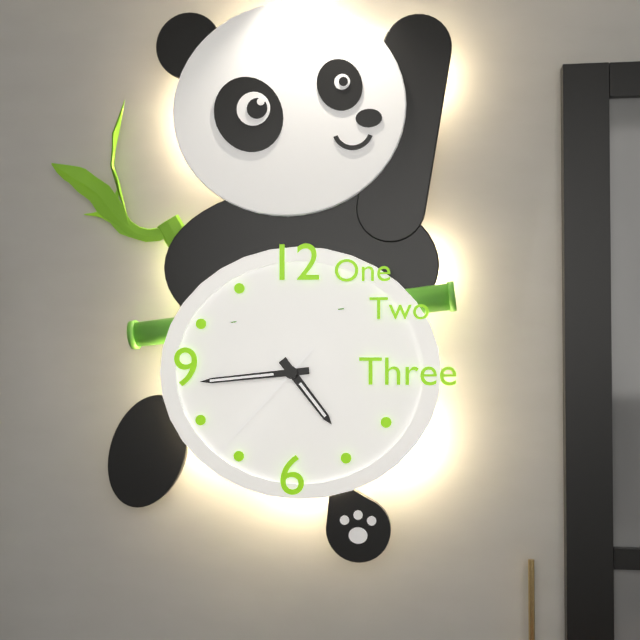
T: 4 h 44 min 37 s
